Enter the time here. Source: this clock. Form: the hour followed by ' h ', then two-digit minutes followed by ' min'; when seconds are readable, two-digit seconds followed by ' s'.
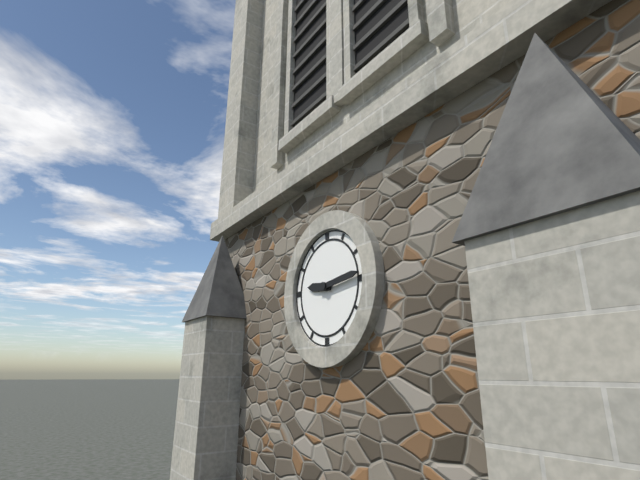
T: 9 h 14 min
